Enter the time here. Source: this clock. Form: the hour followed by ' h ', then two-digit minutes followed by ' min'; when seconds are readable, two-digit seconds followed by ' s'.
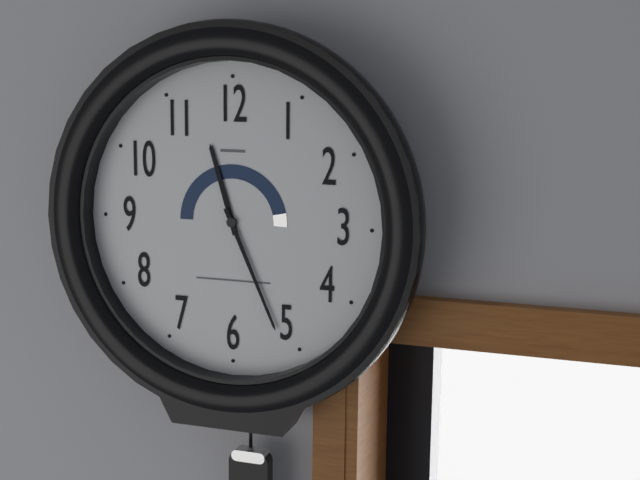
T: 11 h 26 min
